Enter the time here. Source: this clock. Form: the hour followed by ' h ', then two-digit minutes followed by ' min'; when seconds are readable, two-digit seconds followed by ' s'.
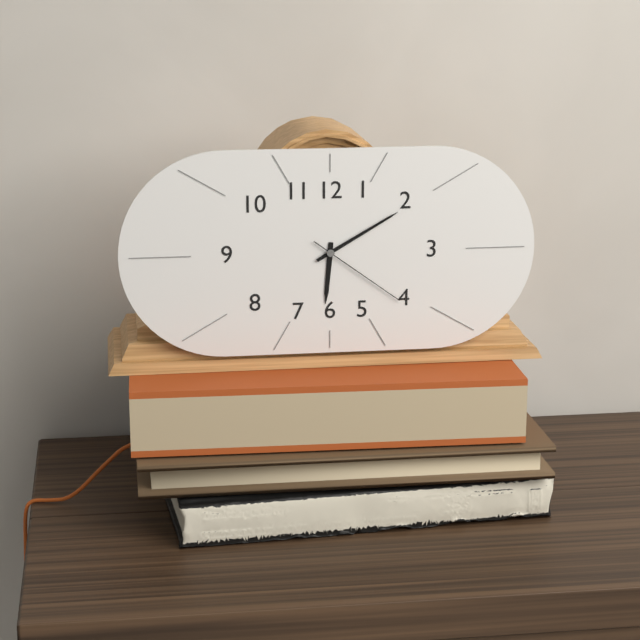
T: 6 h 10 min 21 s
